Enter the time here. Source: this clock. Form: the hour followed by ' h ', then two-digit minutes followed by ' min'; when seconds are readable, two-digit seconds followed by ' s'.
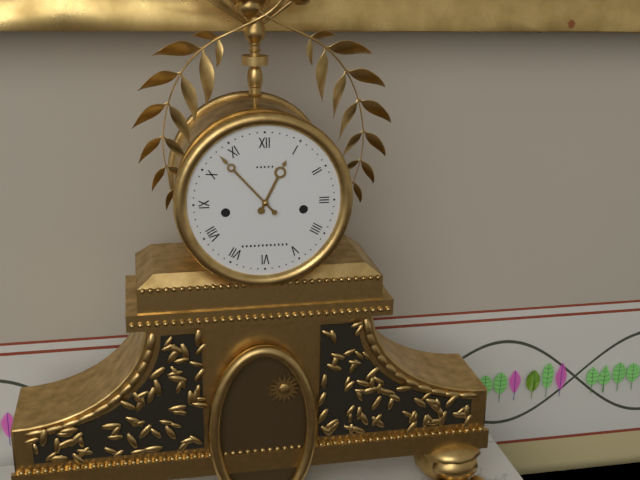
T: 12 h 53 min
